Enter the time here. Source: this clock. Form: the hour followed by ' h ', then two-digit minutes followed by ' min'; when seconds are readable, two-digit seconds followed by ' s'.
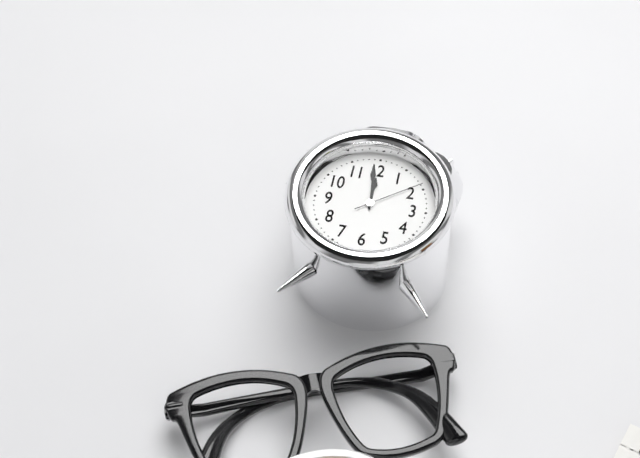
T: 11 h 59 min 09 s
